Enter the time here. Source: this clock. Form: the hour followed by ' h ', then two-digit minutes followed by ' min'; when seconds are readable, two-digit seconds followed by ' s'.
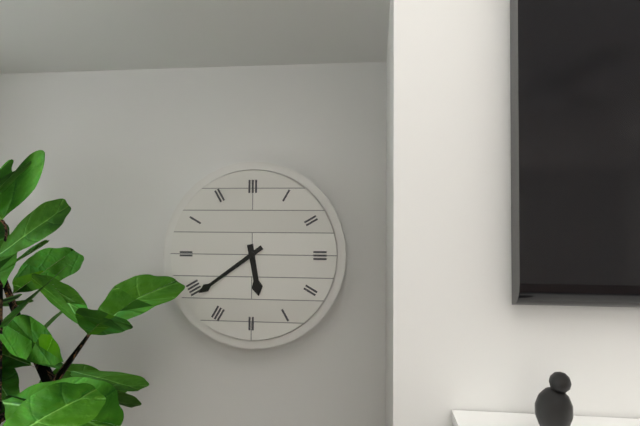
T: 5 h 39 min
